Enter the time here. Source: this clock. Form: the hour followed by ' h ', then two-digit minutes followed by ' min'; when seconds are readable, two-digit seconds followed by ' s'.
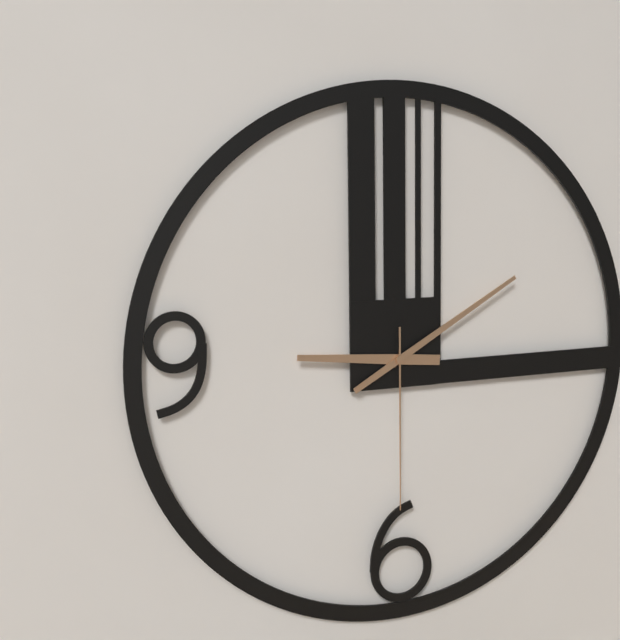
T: 9 h 10 min 30 s
